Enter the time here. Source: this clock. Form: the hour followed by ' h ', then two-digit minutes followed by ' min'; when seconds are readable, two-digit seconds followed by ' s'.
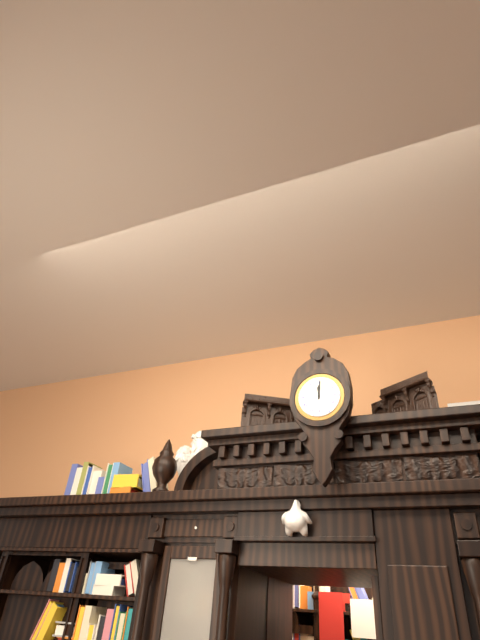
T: 12 h 01 min
